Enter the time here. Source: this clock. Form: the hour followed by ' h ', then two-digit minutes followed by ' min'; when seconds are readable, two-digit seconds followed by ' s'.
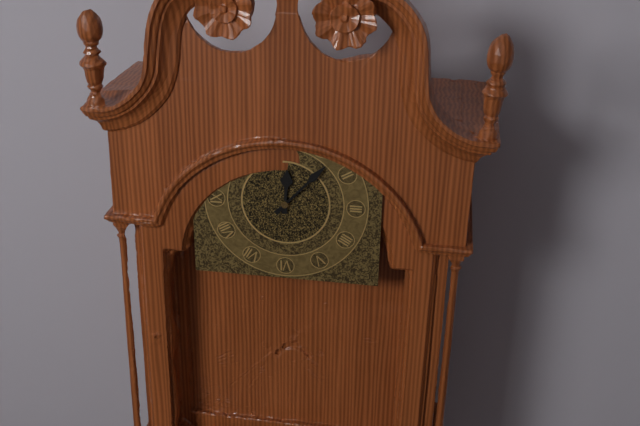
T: 12 h 07 min
